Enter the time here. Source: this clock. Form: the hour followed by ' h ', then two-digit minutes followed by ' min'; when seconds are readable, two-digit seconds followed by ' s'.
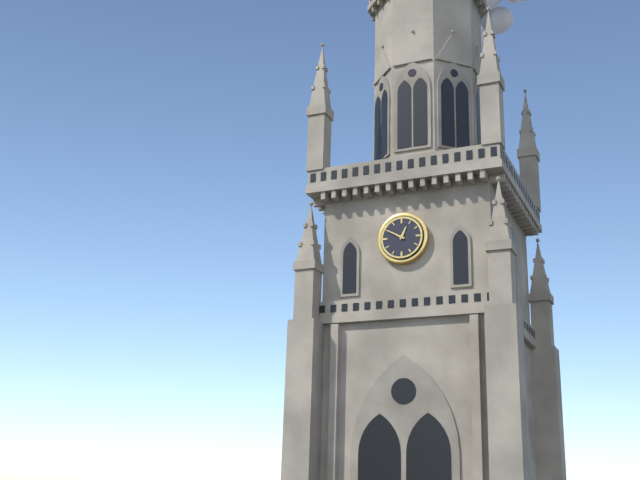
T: 12 h 50 min
